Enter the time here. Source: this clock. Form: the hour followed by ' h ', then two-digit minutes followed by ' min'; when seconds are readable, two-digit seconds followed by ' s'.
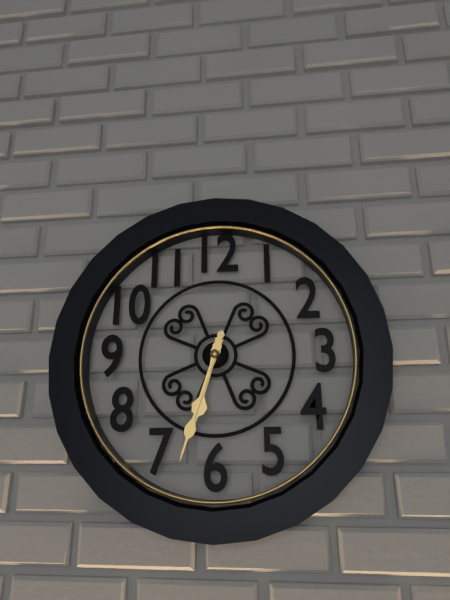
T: 6 h 33 min
